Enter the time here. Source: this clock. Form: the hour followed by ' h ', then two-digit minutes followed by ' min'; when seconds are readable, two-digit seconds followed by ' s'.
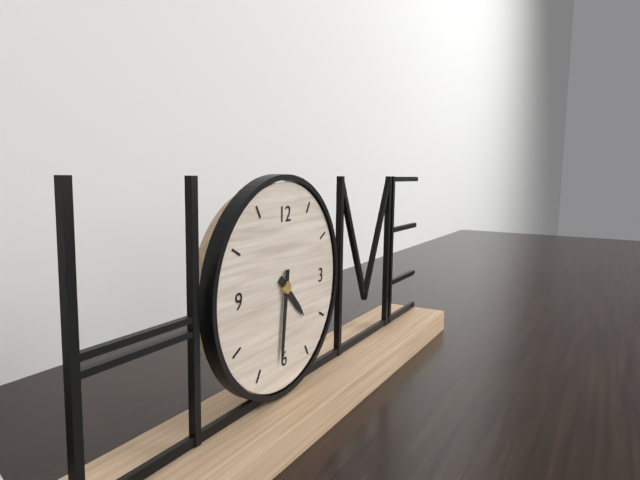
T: 4 h 31 min
